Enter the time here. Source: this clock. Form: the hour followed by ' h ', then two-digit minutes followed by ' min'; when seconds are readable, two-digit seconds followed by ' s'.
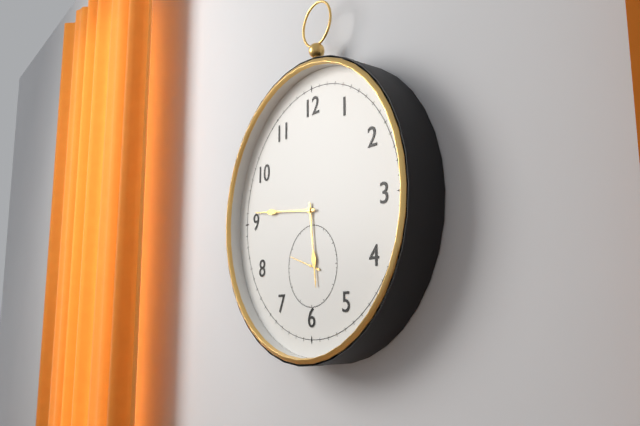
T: 5 h 46 min
